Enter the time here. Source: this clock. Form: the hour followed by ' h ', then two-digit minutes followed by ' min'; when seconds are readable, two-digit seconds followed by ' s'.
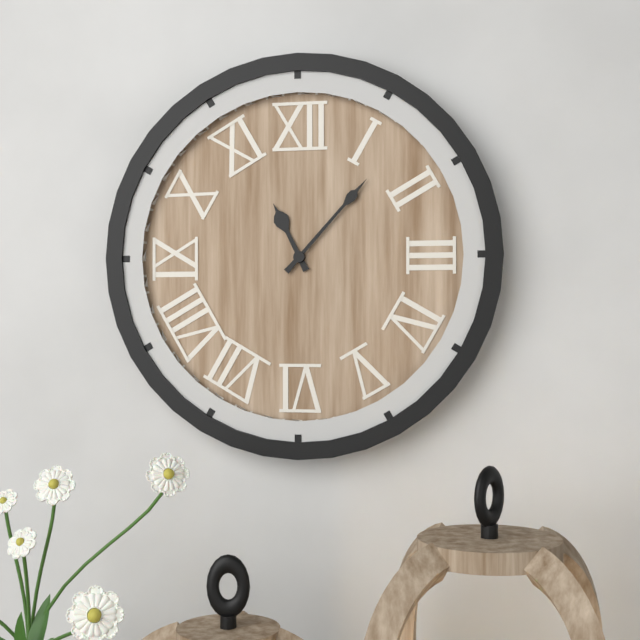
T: 11 h 07 min
